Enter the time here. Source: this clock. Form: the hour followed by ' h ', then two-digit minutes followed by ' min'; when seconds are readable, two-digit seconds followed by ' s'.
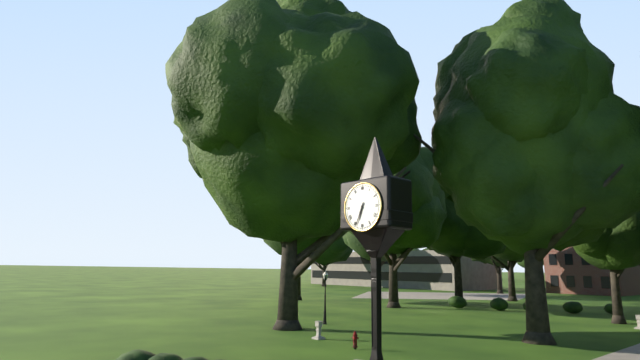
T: 6 h 34 min
